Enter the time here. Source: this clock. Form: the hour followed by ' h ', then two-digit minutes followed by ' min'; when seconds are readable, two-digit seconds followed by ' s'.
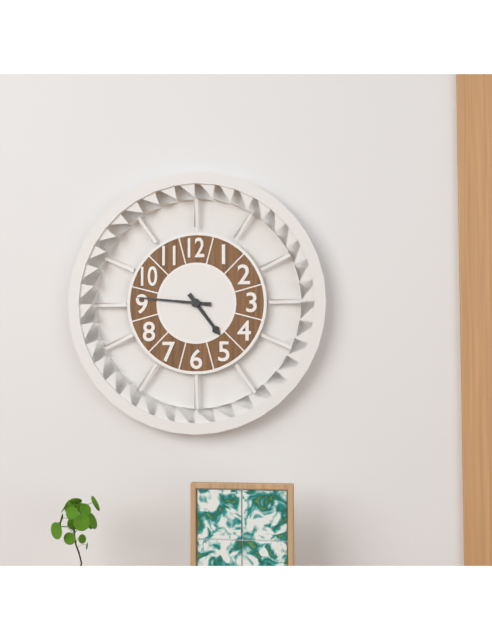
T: 4 h 46 min
